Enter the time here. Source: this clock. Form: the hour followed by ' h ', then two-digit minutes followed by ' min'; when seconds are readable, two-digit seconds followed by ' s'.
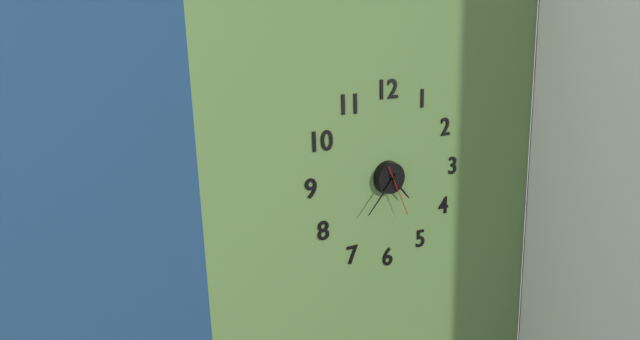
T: 4 h 37 min 26 s
